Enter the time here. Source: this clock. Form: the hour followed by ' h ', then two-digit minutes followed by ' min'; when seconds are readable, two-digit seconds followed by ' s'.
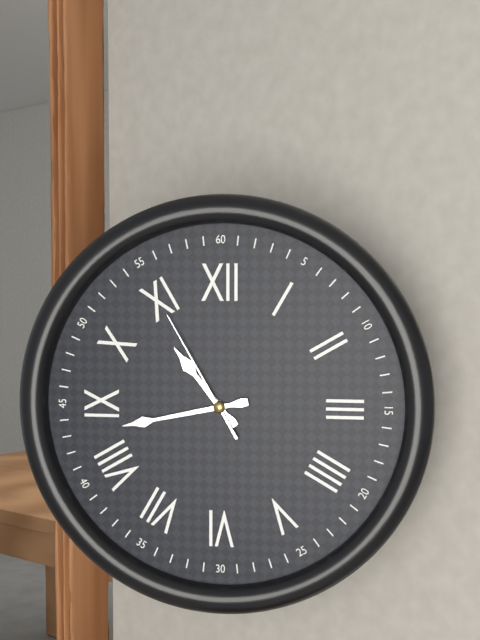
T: 10 h 43 min 55 s
